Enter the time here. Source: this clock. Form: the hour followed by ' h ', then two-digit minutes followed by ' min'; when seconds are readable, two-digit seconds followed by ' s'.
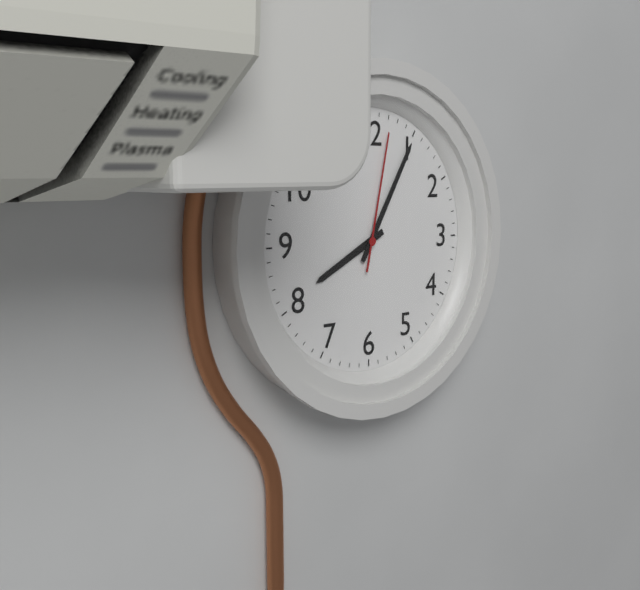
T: 8 h 05 min 02 s
